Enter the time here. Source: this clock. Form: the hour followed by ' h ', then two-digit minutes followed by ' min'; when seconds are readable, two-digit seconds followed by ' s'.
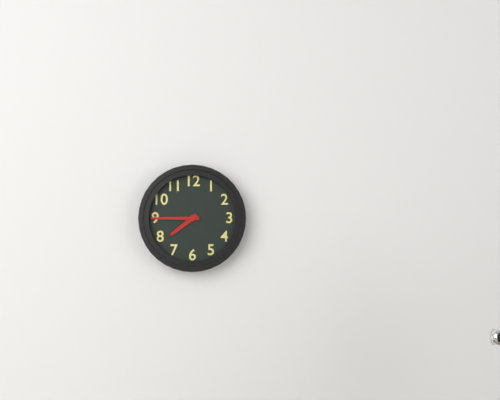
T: 7 h 45 min
